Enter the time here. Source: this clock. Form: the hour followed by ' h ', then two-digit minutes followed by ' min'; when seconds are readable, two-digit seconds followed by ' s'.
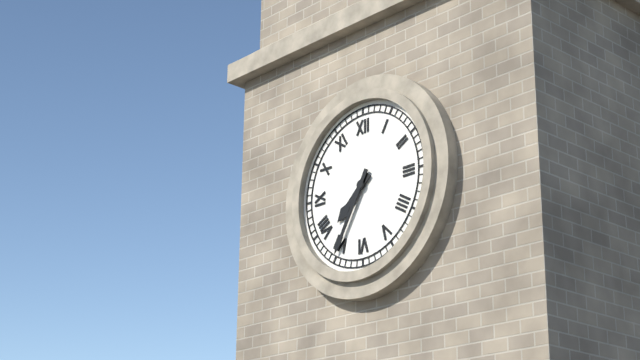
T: 7 h 35 min
